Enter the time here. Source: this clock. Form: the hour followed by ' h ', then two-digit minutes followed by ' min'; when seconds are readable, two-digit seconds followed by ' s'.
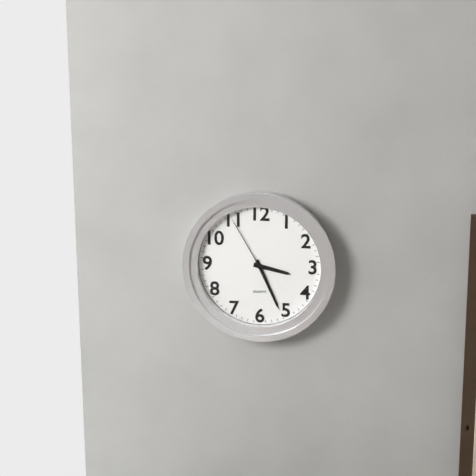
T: 3 h 26 min 55 s
